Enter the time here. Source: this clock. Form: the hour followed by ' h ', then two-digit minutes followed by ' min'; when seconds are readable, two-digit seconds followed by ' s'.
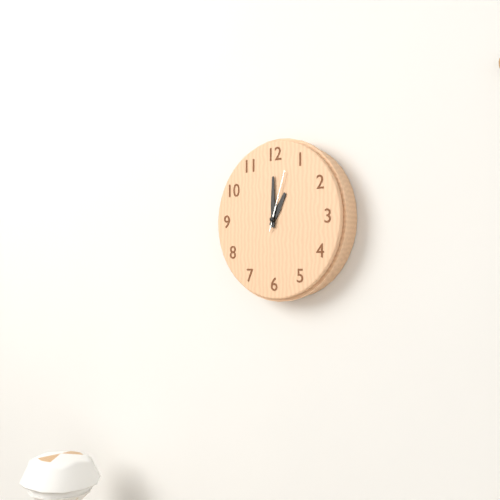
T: 1 h 00 min 03 s
